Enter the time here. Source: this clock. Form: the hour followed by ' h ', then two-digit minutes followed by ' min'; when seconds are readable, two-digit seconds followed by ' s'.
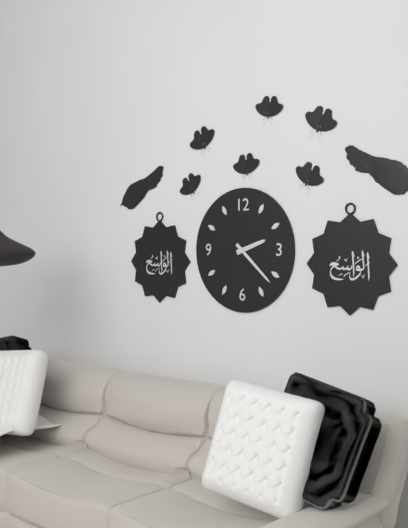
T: 2 h 22 min
